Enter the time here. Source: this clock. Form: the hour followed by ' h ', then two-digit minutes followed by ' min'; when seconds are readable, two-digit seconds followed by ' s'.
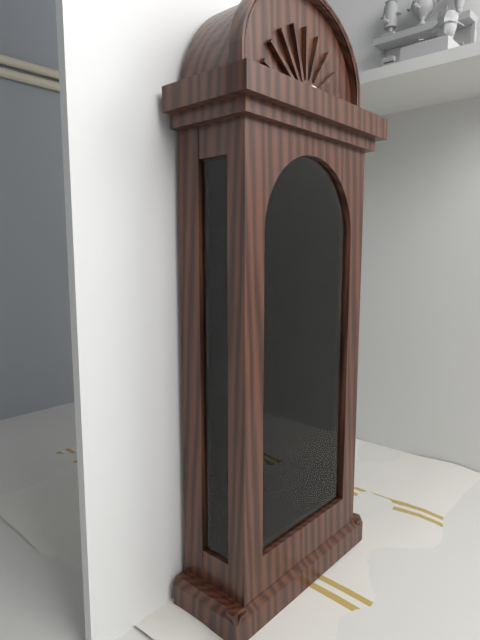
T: 1 h 03 min
